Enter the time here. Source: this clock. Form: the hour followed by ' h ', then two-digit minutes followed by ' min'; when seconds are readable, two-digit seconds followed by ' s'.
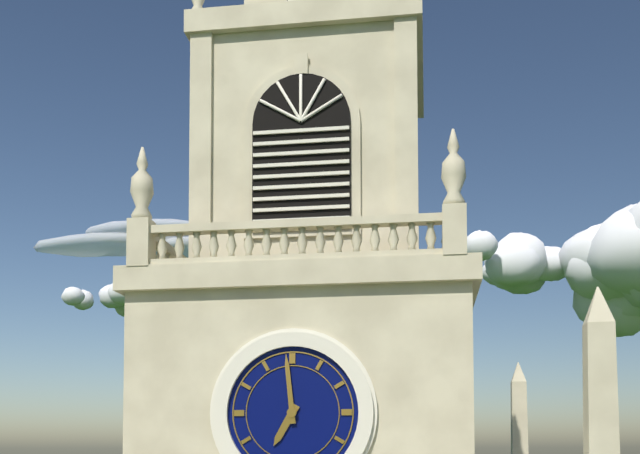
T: 6 h 59 min
